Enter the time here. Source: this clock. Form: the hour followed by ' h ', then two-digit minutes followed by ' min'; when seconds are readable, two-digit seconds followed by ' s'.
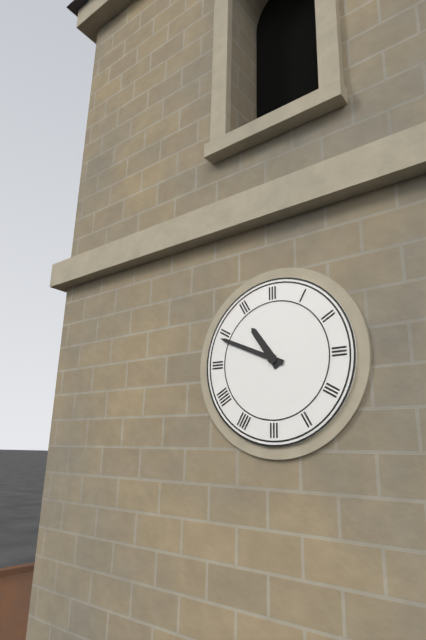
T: 10 h 49 min
